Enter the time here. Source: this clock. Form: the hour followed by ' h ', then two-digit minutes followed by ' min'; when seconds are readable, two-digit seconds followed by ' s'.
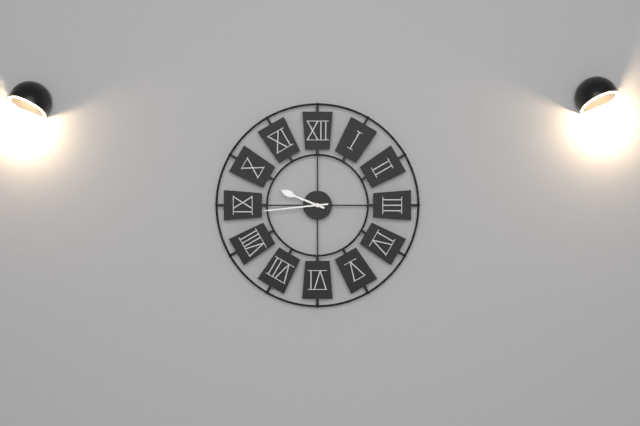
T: 9 h 44 min
